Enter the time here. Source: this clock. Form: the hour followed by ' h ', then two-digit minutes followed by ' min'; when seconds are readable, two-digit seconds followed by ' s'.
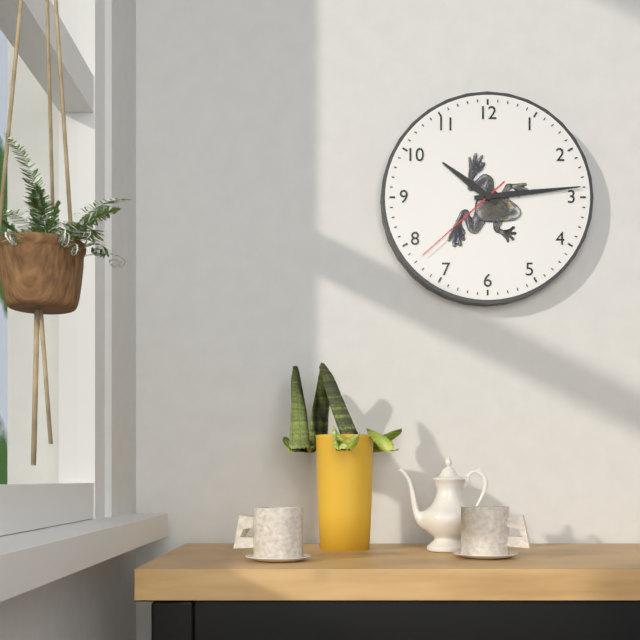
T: 10 h 14 min 38 s
